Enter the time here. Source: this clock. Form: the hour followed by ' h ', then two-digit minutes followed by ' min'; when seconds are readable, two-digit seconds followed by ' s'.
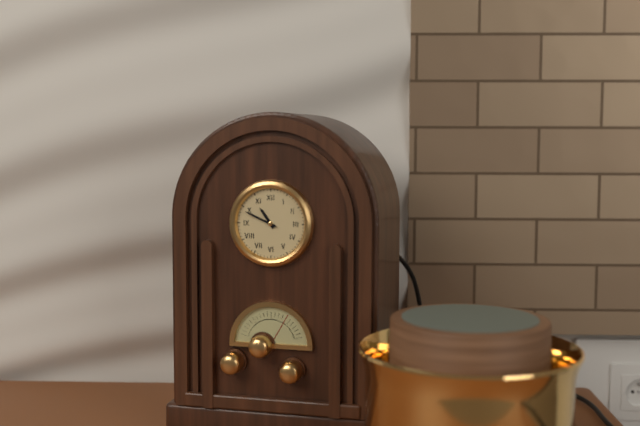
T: 10 h 49 min
